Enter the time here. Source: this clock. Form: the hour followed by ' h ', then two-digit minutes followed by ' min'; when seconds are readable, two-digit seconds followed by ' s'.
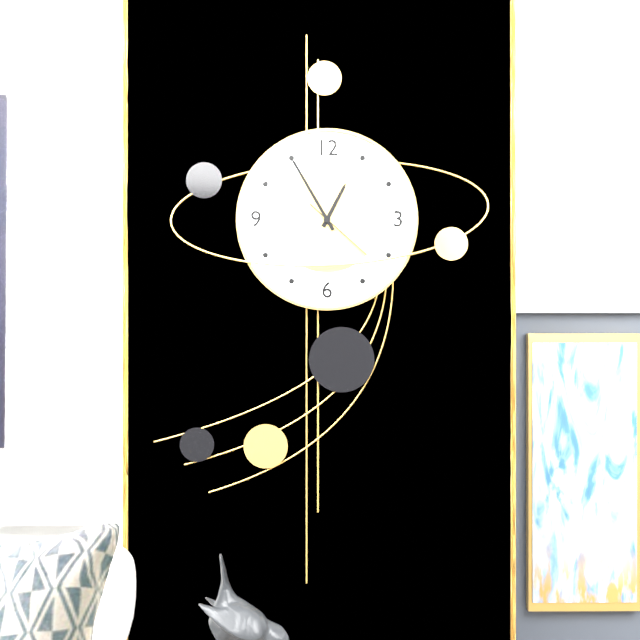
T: 12 h 55 min 22 s
